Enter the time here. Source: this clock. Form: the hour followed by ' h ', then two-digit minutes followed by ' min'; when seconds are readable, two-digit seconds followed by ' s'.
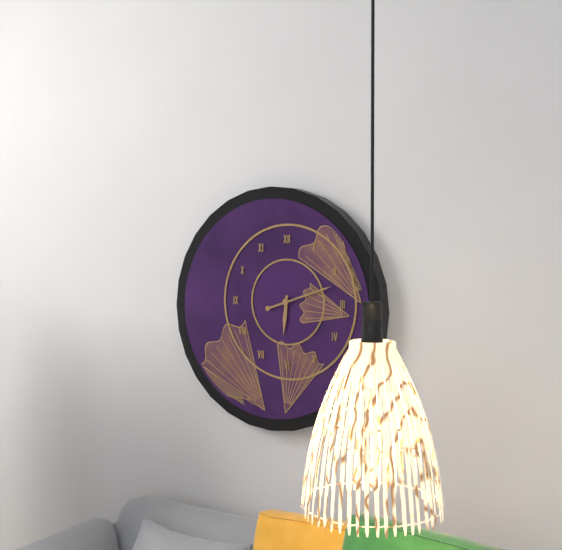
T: 6 h 12 min
